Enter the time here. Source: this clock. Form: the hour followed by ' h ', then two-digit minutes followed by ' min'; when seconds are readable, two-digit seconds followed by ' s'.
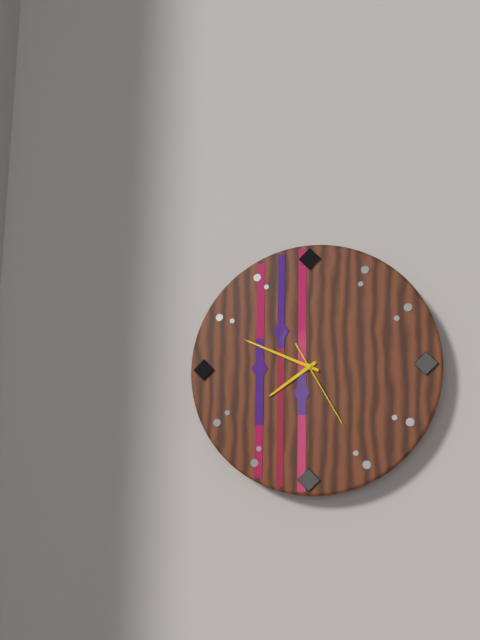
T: 7 h 49 min 25 s
